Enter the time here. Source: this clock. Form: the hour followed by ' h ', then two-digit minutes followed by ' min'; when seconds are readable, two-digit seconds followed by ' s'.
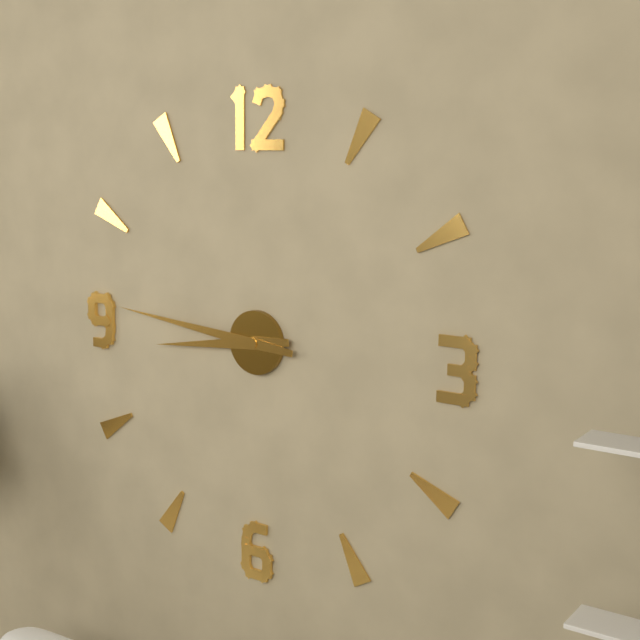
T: 8 h 46 min
